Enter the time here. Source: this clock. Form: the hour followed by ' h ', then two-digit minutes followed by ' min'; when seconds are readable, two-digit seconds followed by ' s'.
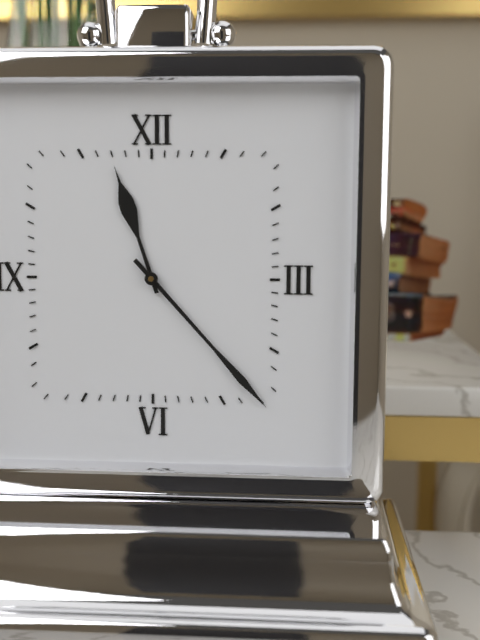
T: 11 h 23 min
